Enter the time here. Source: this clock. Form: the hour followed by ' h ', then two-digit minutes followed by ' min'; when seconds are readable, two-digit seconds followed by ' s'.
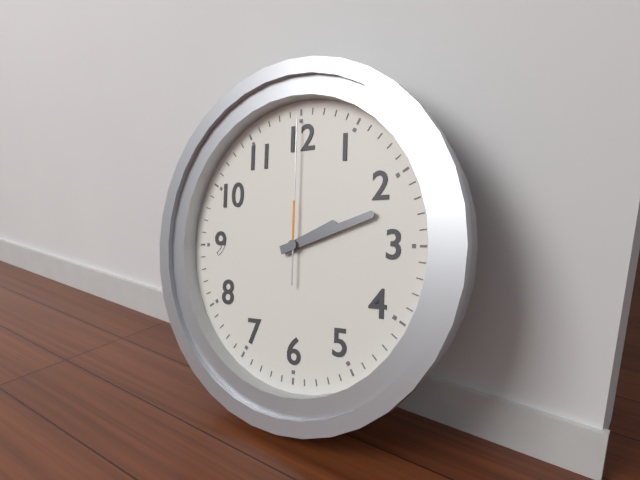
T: 2 h 12 min 00 s
